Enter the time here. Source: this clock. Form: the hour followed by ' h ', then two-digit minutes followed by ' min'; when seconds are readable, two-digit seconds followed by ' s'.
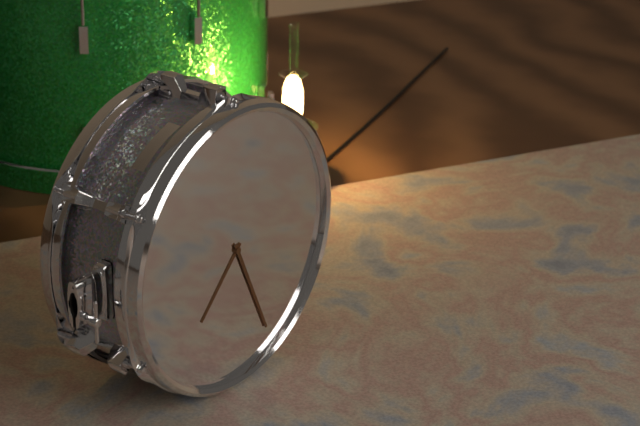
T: 7 h 26 min
